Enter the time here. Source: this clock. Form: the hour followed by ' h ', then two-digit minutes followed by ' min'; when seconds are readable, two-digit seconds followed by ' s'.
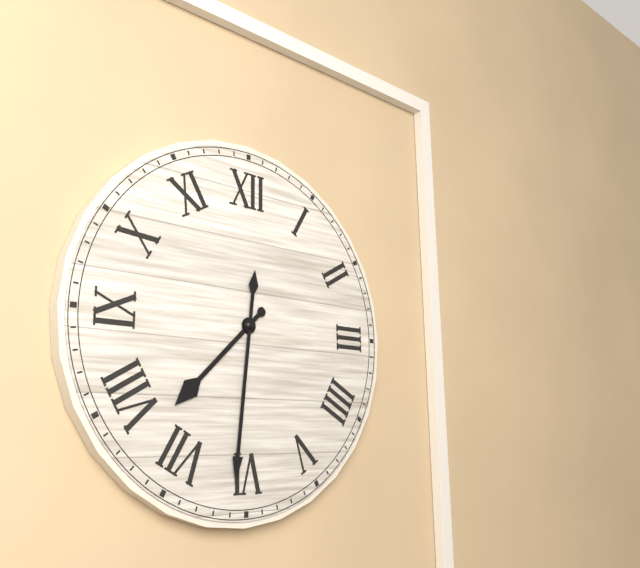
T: 7 h 31 min
